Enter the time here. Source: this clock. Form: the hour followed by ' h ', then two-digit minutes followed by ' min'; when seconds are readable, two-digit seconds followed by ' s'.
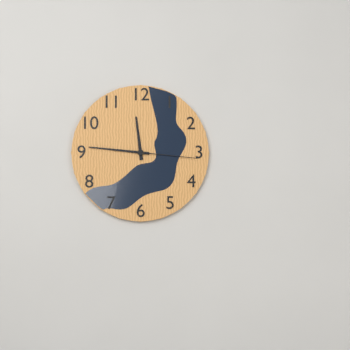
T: 11 h 46 min 16 s
